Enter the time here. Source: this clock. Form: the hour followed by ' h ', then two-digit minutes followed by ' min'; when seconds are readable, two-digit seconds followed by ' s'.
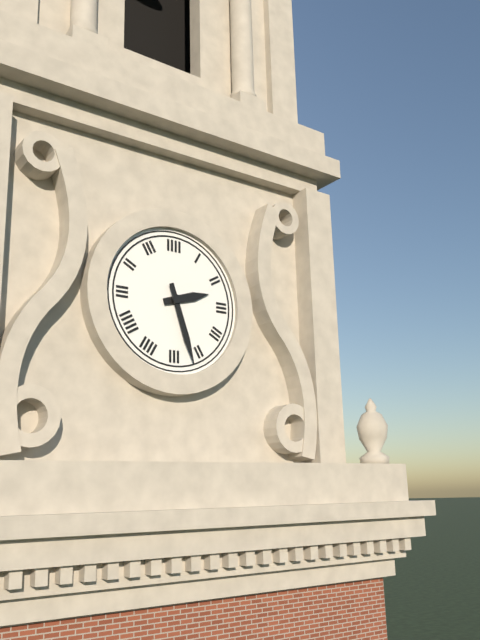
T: 2 h 27 min
